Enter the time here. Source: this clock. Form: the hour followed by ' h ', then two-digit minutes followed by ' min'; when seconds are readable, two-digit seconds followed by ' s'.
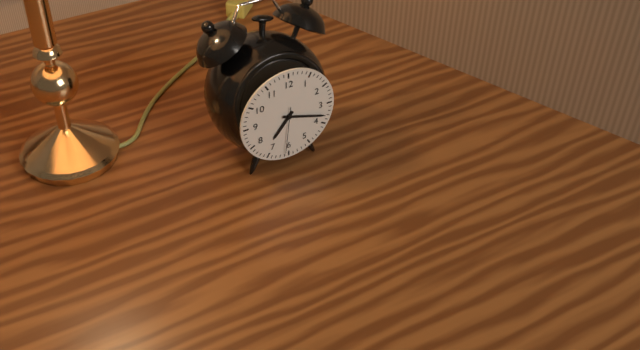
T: 7 h 18 min
